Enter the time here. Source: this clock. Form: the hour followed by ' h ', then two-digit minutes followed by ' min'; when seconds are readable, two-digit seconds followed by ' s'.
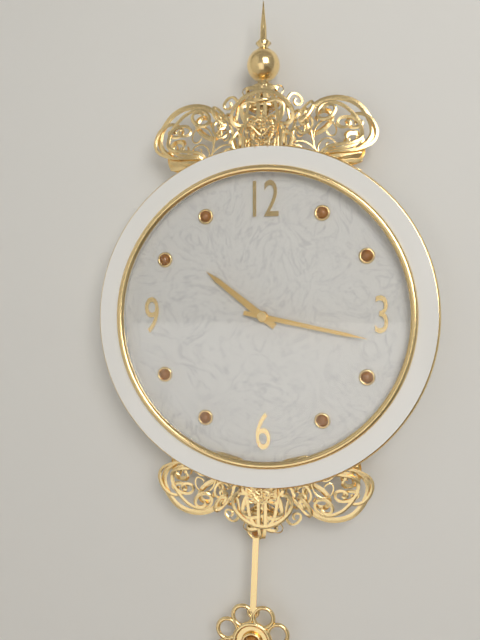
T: 10 h 17 min
